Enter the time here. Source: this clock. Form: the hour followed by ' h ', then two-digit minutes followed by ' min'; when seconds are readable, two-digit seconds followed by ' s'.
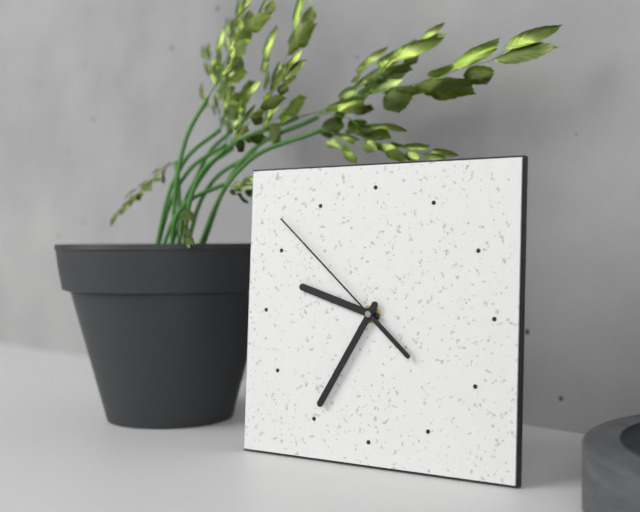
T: 9 h 35 min 52 s
